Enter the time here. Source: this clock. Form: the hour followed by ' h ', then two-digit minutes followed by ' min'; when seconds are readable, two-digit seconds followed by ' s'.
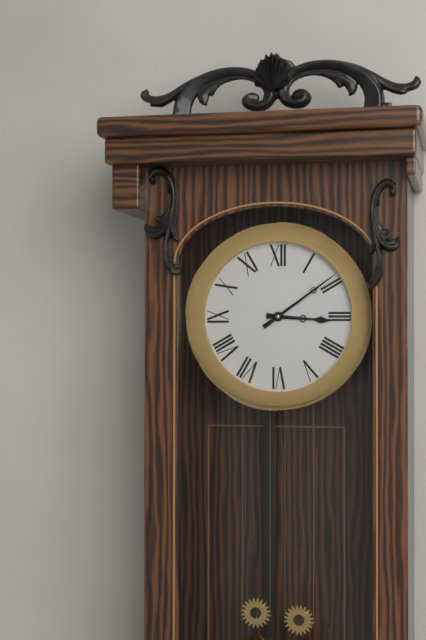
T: 3 h 09 min
